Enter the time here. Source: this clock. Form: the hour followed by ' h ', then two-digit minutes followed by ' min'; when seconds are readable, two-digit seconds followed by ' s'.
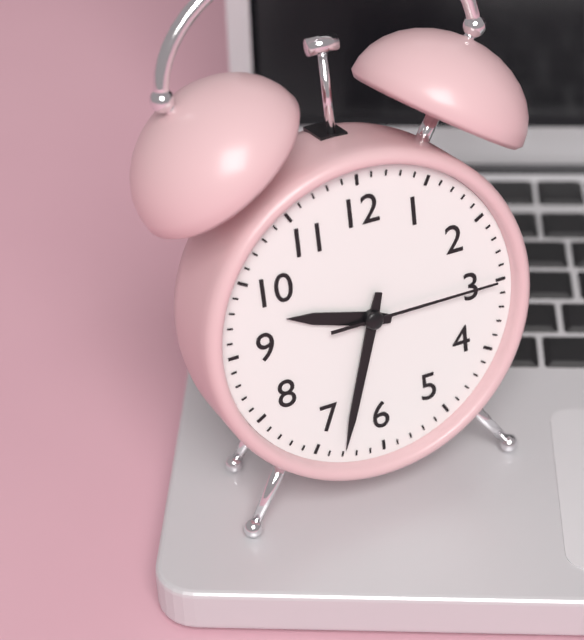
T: 9 h 33 min 15 s
